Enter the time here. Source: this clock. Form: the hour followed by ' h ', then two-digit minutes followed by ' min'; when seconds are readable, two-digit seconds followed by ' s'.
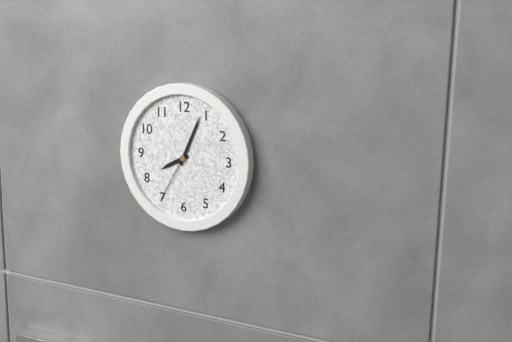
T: 8 h 04 min 35 s
